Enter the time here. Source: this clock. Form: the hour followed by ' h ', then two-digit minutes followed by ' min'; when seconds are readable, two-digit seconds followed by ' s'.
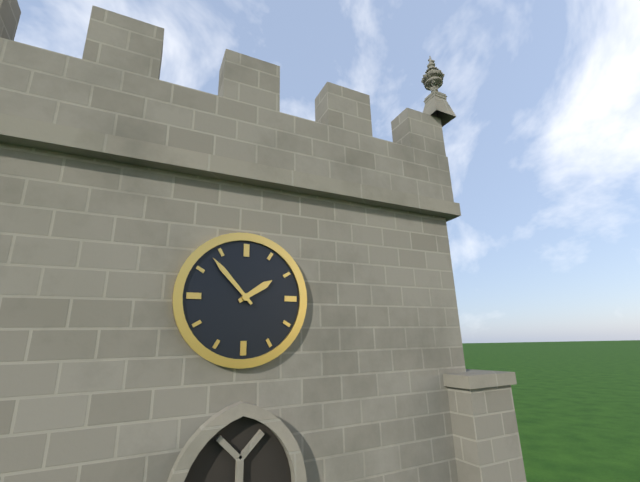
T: 1 h 53 min
